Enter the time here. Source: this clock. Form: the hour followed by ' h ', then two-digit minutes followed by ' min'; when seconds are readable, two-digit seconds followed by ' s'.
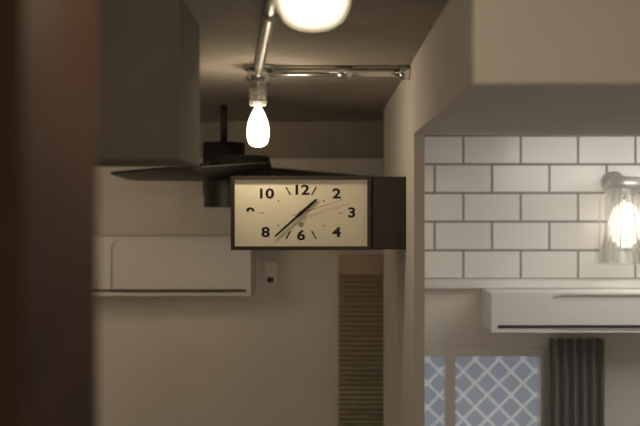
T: 1 h 38 min 12 s
